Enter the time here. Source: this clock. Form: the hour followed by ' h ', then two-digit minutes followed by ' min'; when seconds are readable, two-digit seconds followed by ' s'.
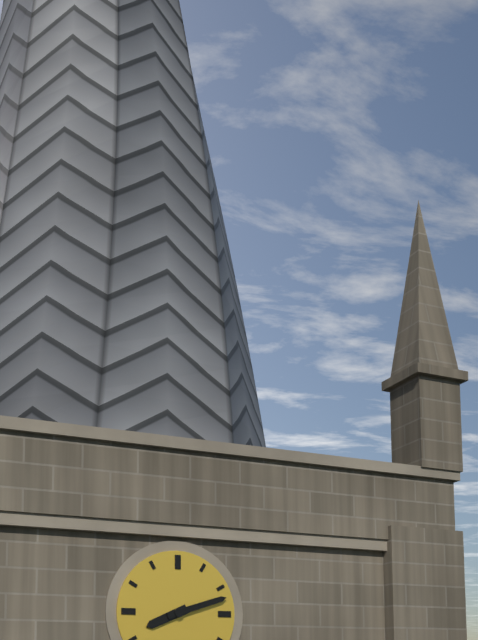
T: 8 h 12 min
